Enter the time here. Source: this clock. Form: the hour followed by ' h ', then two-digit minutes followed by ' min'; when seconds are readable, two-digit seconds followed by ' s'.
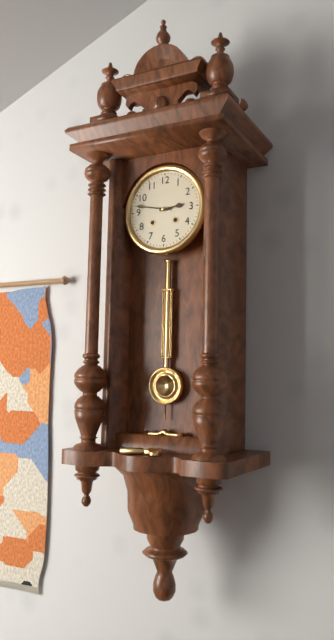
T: 2 h 47 min
